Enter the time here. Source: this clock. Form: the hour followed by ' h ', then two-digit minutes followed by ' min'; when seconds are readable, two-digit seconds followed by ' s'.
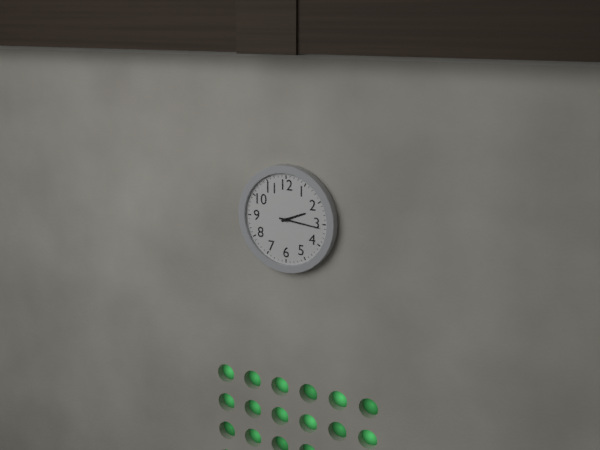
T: 2 h 16 min
